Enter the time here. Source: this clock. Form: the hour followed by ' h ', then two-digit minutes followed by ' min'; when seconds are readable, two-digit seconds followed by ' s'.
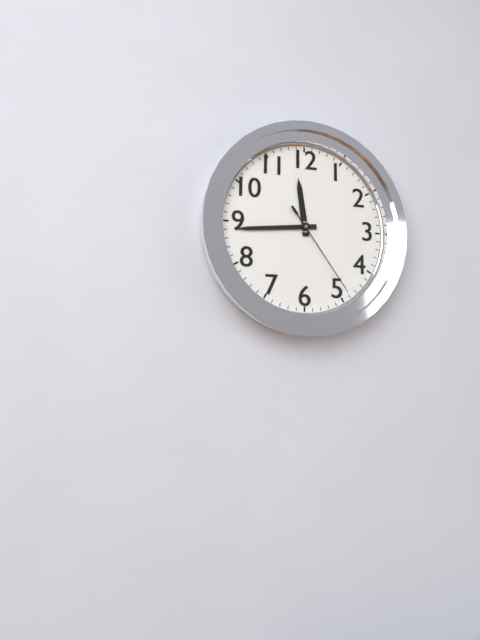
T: 11 h 44 min 24 s
